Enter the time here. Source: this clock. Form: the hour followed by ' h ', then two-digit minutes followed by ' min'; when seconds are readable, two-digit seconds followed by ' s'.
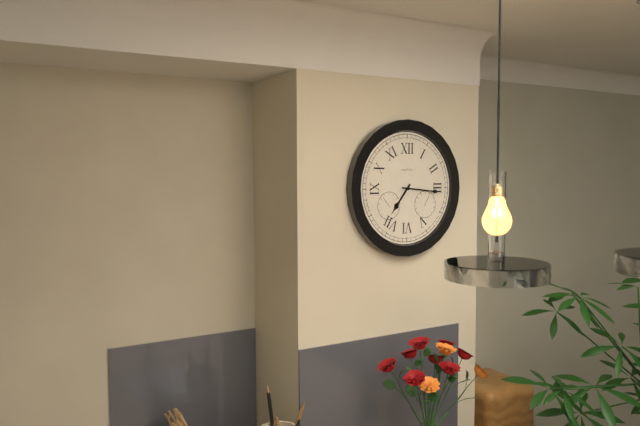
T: 7 h 16 min
